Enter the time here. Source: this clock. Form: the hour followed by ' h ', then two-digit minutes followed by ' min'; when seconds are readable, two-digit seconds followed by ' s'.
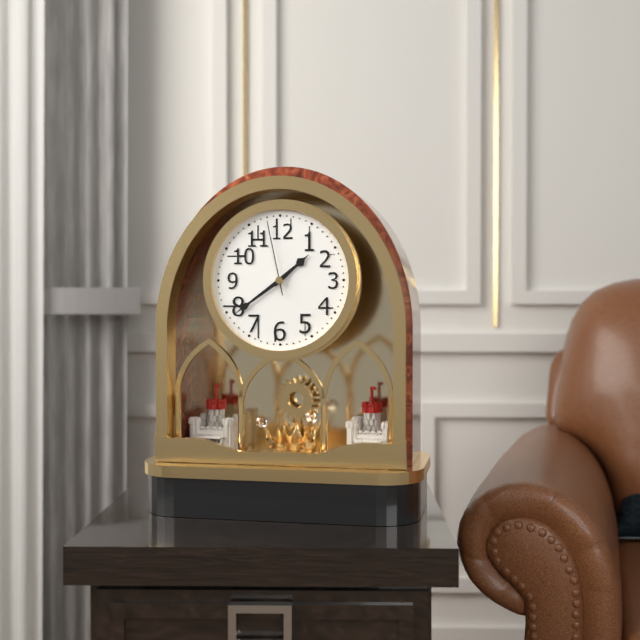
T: 1 h 39 min 58 s
